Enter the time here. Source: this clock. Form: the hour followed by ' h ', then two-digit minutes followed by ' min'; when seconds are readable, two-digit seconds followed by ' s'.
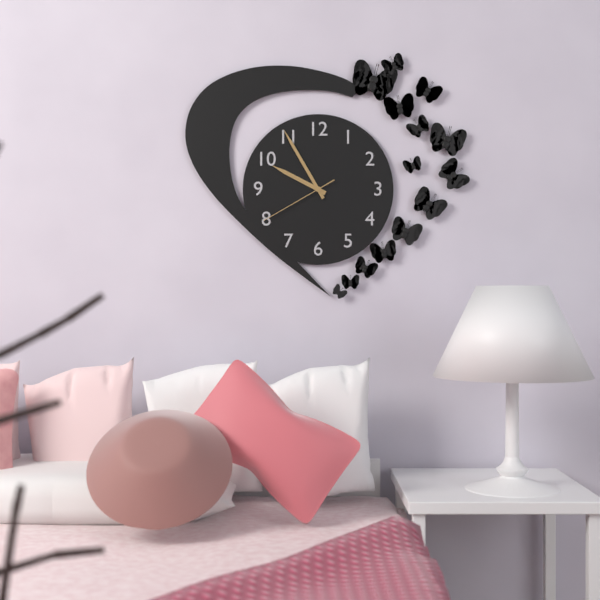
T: 9 h 55 min 40 s
